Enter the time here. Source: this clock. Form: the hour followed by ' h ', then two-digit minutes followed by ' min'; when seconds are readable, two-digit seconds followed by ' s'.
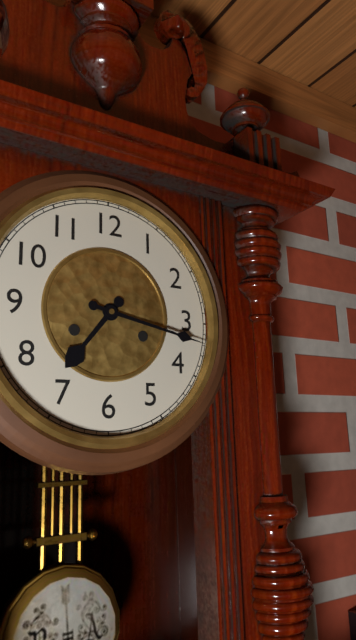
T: 7 h 17 min
